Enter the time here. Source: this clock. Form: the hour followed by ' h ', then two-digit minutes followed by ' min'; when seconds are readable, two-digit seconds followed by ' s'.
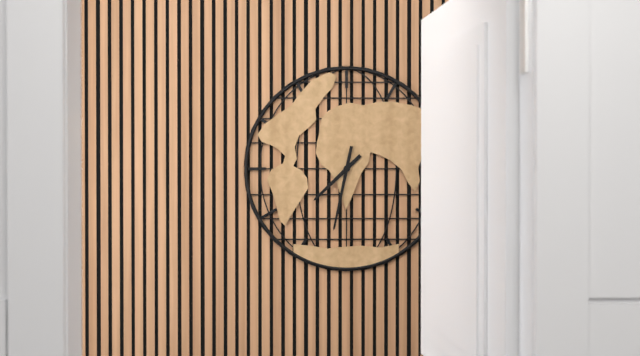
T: 7 h 32 min
